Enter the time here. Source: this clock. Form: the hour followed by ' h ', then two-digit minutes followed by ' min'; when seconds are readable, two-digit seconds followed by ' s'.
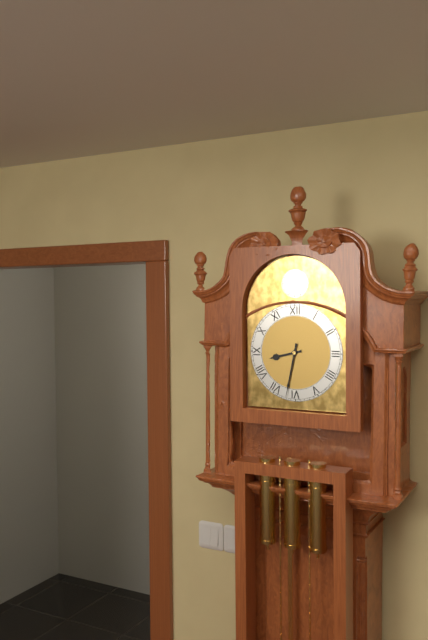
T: 8 h 32 min
